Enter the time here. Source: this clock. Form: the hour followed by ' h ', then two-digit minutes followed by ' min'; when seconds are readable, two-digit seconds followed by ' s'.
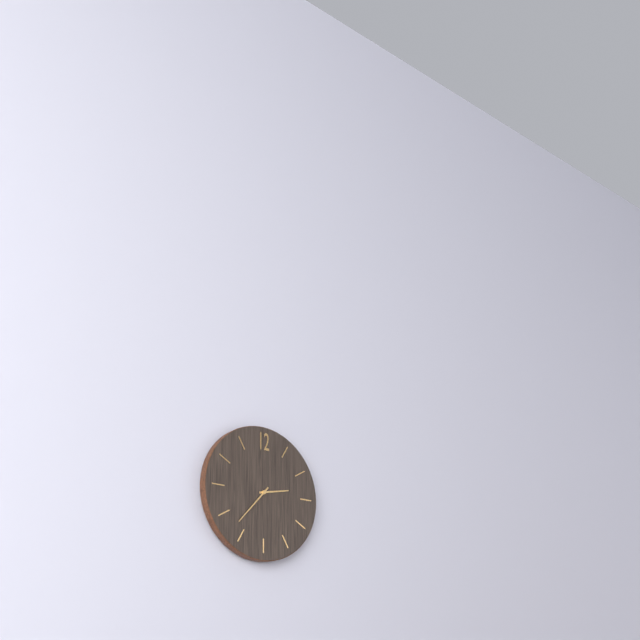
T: 2 h 37 min
